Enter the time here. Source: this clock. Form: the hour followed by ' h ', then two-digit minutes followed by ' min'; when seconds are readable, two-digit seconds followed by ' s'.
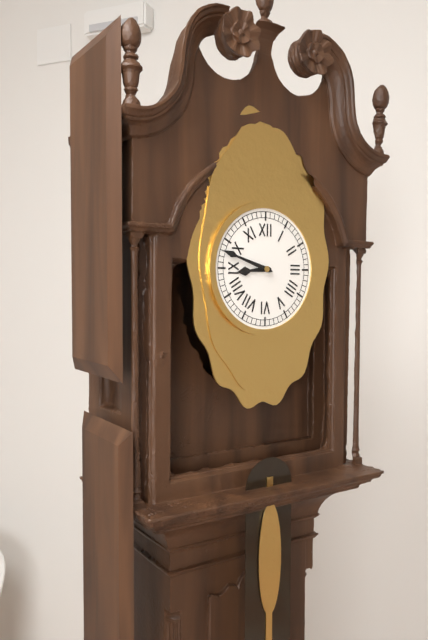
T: 8 h 48 min
